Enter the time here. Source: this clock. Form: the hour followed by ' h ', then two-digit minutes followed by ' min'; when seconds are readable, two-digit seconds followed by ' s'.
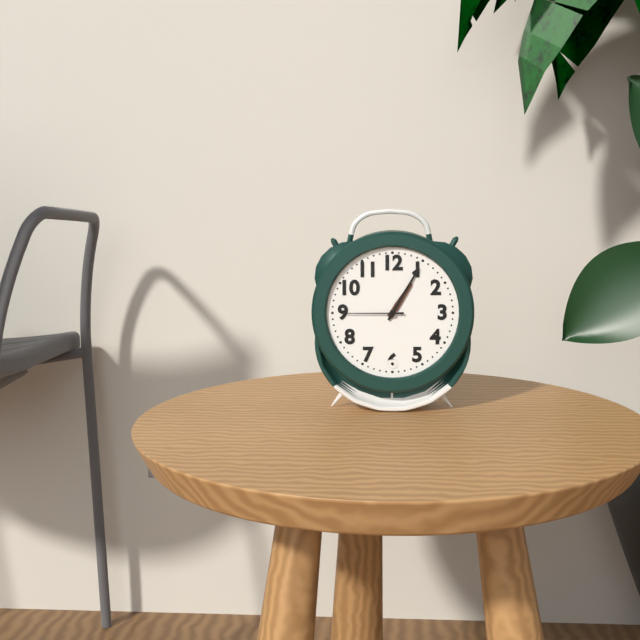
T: 1 h 05 min 45 s
